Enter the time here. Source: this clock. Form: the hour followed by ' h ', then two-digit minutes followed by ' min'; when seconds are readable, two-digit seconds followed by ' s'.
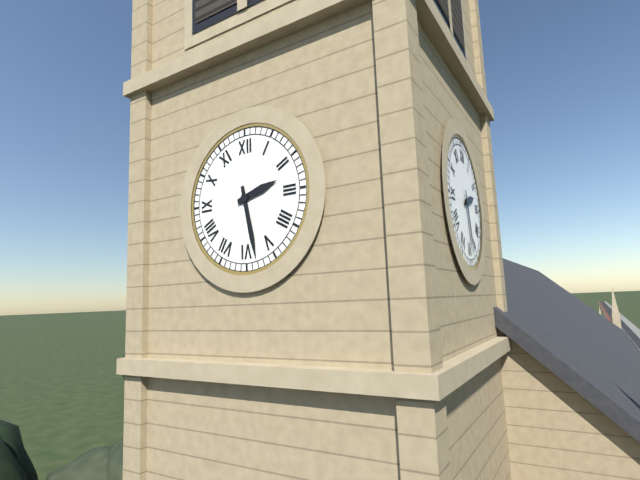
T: 2 h 28 min
